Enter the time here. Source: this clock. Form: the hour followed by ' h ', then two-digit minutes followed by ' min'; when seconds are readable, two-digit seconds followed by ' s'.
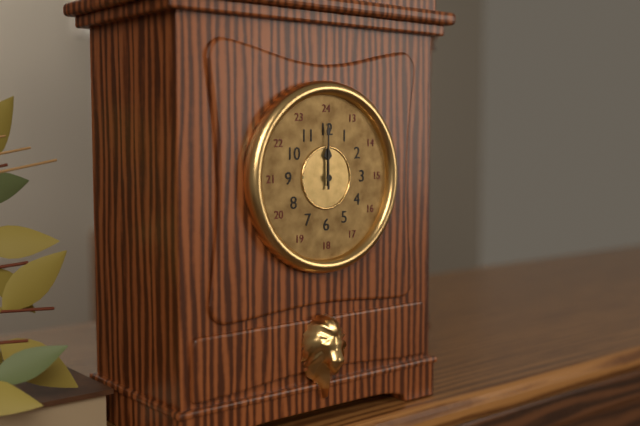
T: 12 h 00 min
